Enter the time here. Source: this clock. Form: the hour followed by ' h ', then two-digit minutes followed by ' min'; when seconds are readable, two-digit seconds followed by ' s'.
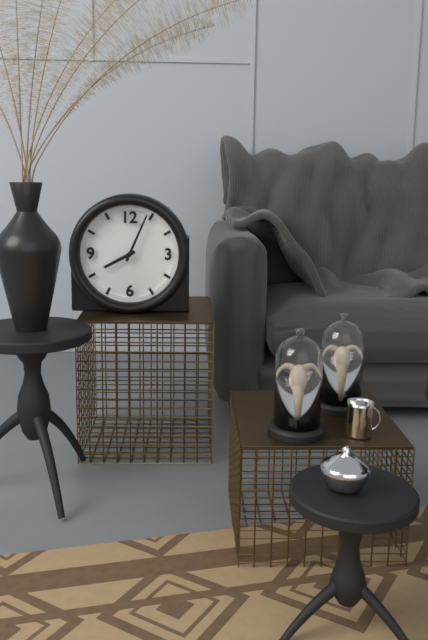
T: 8 h 04 min
